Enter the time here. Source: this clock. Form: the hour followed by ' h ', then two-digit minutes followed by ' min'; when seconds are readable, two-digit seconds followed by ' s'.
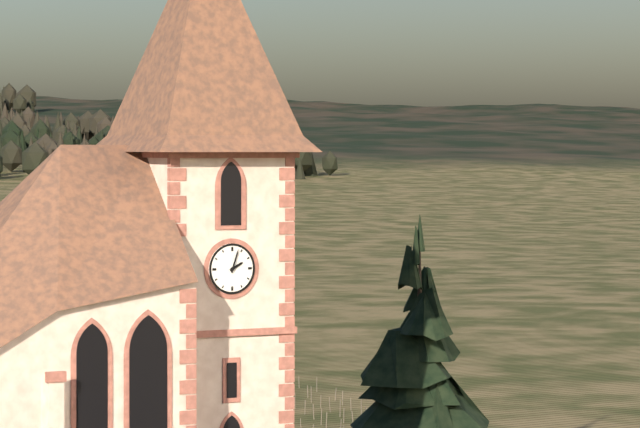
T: 2 h 03 min
